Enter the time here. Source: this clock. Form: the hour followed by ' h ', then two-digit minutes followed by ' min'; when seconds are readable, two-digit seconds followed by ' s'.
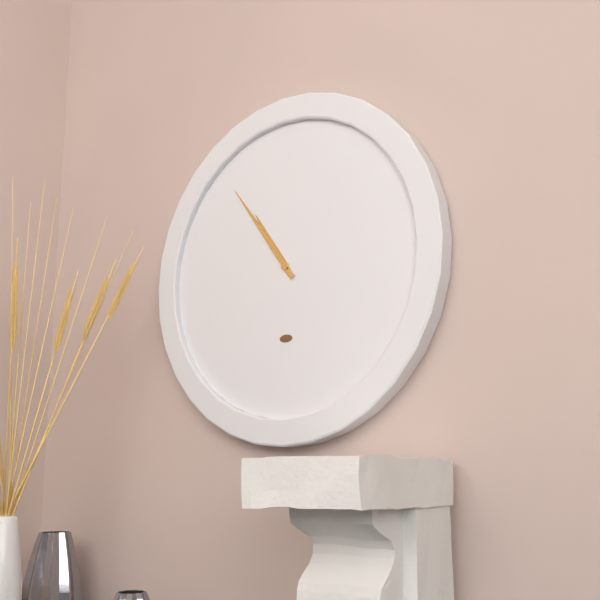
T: 10 h 54 min
